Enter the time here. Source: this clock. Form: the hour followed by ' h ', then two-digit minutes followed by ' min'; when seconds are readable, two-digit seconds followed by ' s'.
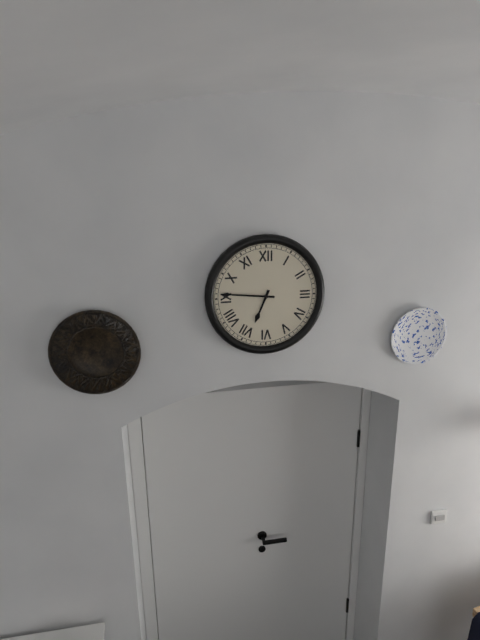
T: 6 h 46 min
